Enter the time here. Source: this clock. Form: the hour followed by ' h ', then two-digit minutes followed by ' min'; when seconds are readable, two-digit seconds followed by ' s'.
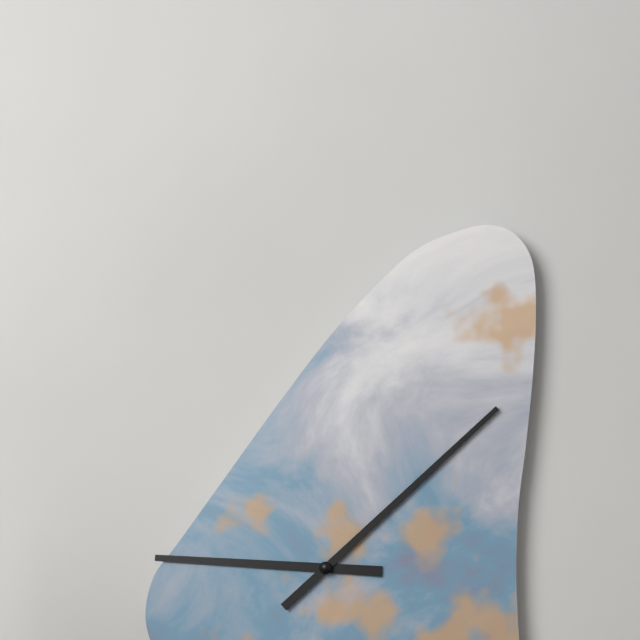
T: 9 h 08 min
